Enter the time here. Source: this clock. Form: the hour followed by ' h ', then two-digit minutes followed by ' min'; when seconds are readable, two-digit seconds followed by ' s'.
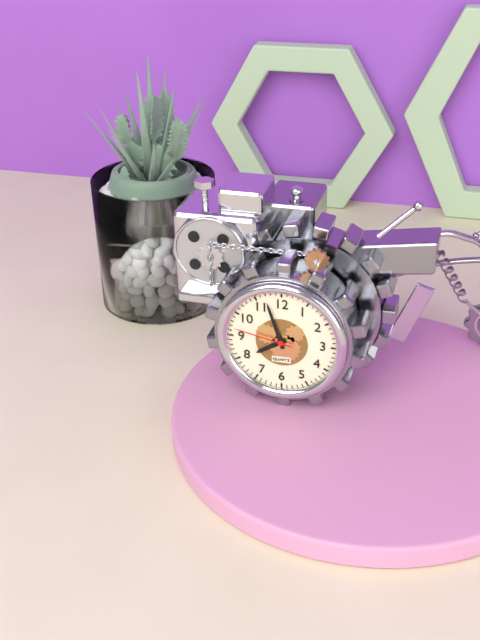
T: 7 h 57 min 47 s
